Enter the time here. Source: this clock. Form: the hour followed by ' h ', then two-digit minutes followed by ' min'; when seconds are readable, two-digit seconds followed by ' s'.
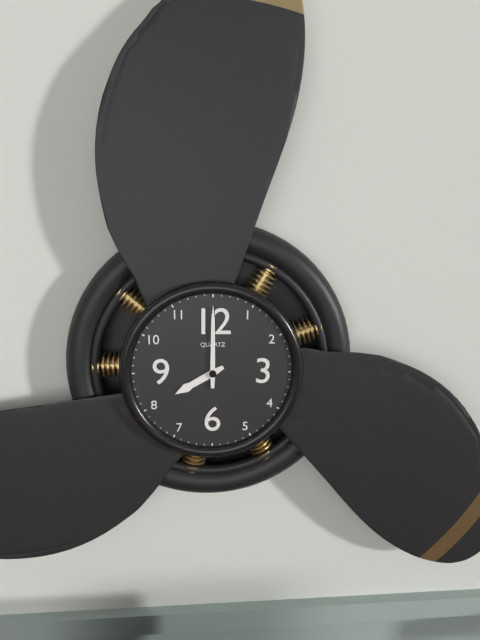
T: 8 h 00 min
